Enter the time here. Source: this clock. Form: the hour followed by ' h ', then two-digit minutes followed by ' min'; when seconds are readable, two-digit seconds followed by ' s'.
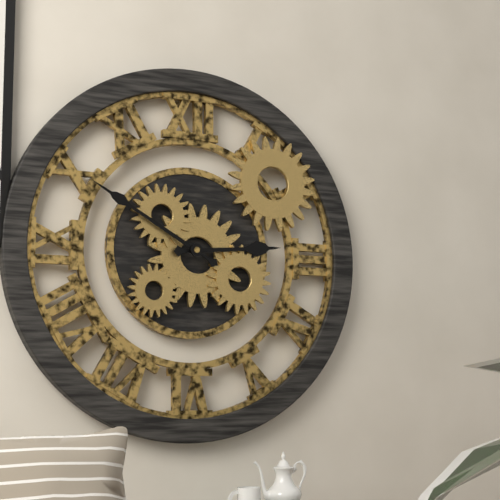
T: 2 h 50 min
